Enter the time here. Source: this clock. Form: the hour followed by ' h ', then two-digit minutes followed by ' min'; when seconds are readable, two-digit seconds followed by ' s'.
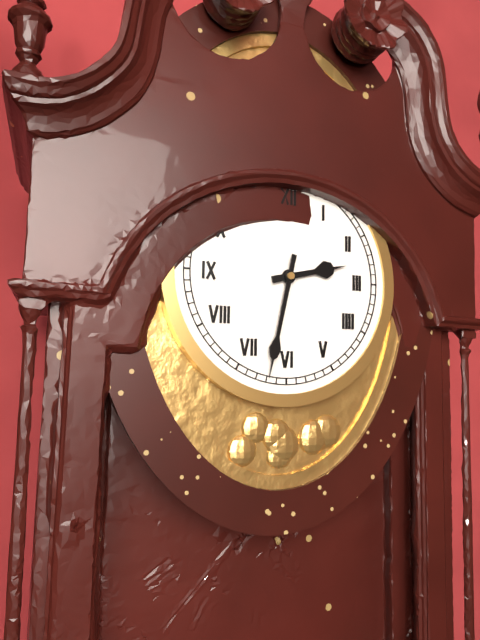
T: 2 h 32 min
